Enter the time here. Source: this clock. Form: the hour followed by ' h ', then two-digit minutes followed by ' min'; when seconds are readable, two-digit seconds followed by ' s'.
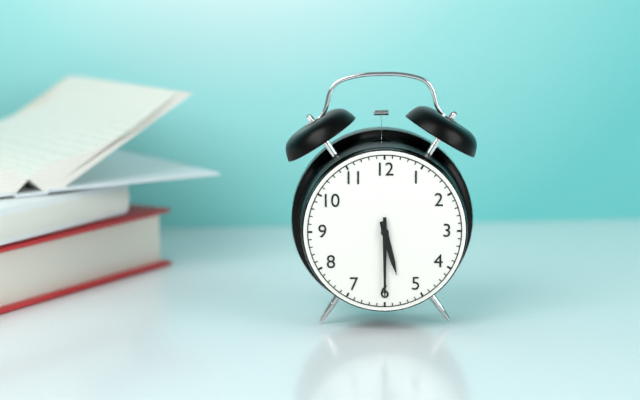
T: 5 h 30 min
